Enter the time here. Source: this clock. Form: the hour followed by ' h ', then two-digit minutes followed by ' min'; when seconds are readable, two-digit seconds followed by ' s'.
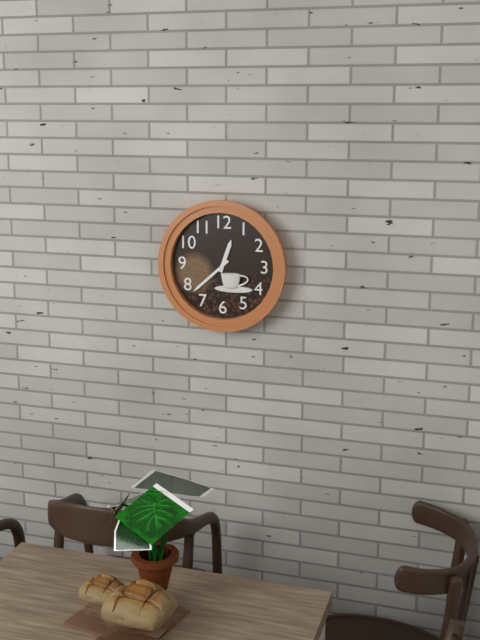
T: 12 h 38 min
